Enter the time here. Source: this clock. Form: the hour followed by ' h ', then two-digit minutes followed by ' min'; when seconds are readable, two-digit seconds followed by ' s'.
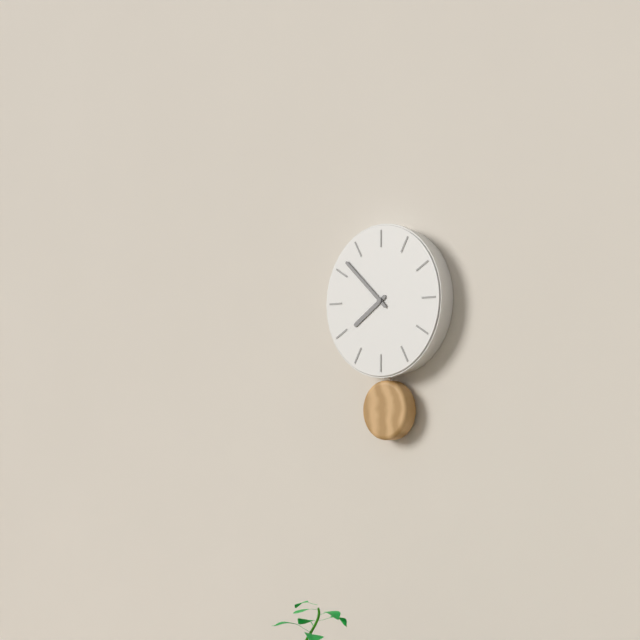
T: 7 h 52 min
